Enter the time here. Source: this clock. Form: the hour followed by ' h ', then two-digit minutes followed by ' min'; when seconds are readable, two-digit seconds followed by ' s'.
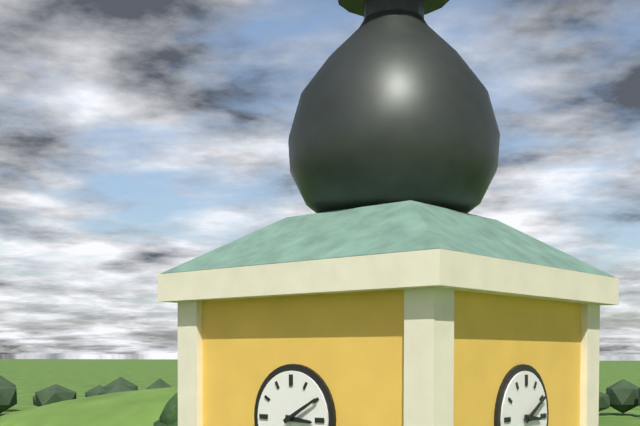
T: 3 h 10 min
